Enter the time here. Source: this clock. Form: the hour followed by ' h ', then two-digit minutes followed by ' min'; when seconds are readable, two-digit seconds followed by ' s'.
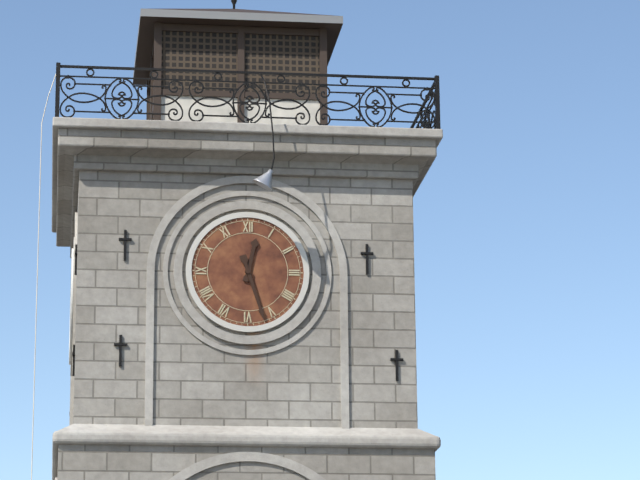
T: 12 h 27 min
